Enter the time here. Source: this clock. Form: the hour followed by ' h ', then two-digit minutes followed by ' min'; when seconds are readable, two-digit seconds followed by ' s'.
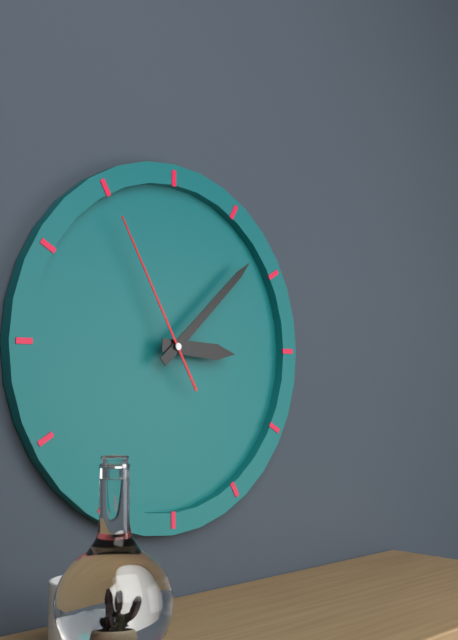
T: 3 h 08 min 55 s
